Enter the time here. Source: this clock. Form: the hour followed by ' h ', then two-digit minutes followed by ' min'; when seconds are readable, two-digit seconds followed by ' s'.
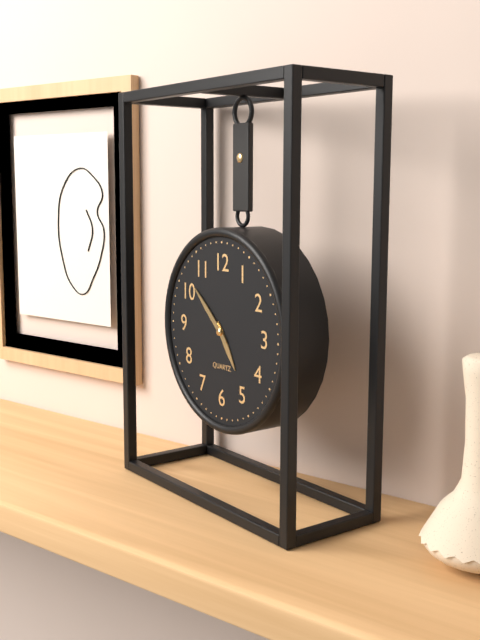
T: 4 h 52 min
